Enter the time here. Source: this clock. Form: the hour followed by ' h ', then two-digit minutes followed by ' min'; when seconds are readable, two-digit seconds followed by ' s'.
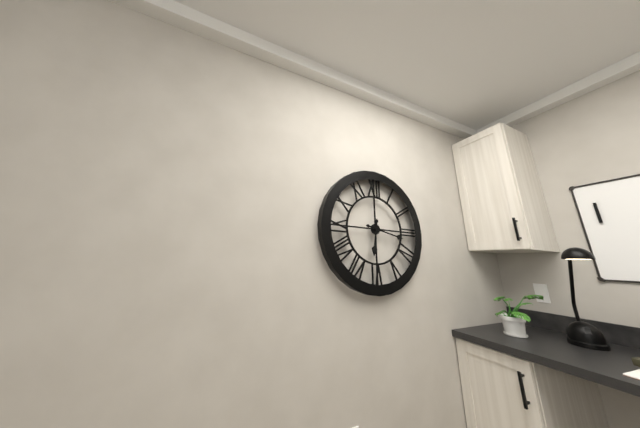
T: 6 h 17 min
